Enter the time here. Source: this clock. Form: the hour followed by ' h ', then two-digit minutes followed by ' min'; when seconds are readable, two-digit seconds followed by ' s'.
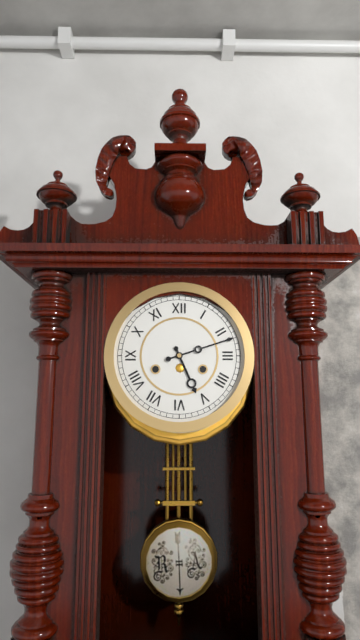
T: 5 h 12 min
